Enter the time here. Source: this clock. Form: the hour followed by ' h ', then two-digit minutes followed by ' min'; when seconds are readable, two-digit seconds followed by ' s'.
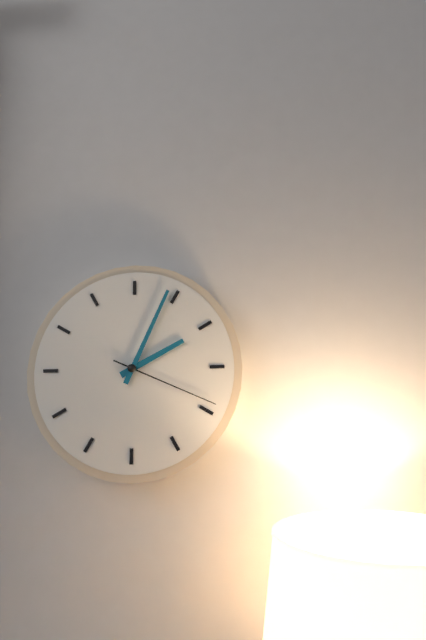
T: 2 h 04 min 19 s
